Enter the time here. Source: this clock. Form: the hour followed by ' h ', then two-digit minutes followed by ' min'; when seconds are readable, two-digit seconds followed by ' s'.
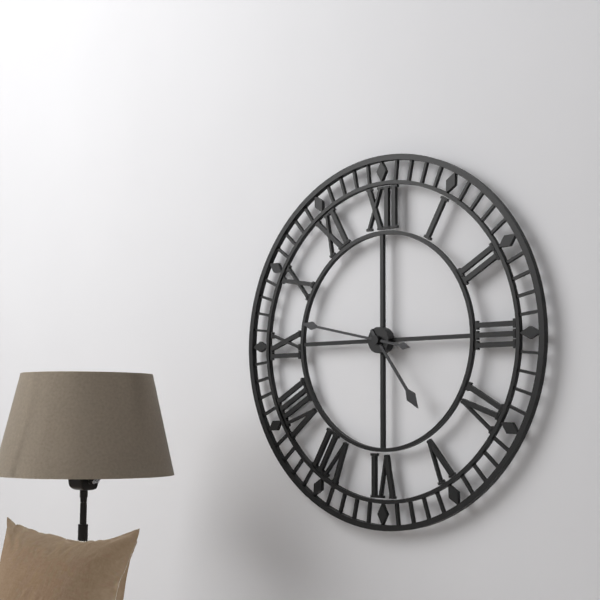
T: 4 h 47 min
